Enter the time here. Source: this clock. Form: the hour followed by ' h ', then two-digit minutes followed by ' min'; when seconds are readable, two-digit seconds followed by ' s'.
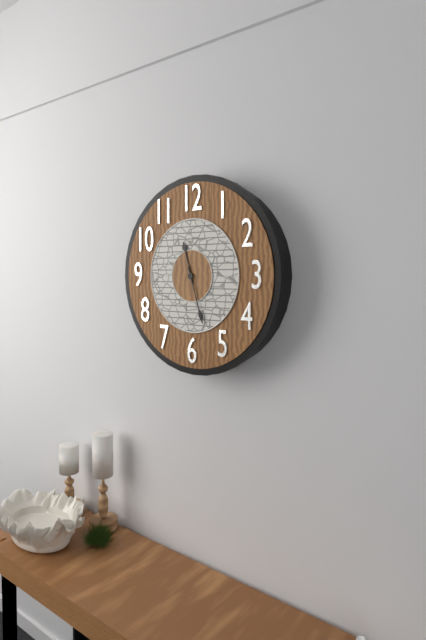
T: 11 h 27 min
